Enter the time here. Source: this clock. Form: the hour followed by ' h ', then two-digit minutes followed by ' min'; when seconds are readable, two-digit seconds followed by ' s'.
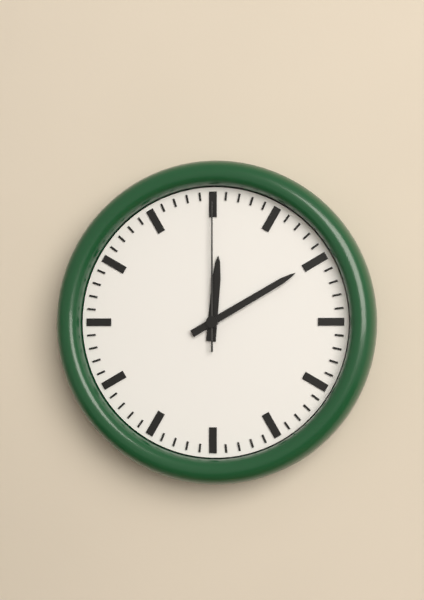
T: 12 h 10 min 00 s
